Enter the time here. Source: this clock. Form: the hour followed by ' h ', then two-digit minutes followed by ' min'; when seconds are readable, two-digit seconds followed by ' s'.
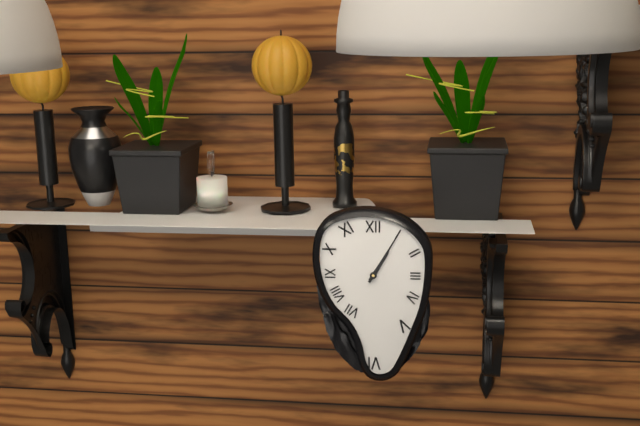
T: 1 h 05 min
